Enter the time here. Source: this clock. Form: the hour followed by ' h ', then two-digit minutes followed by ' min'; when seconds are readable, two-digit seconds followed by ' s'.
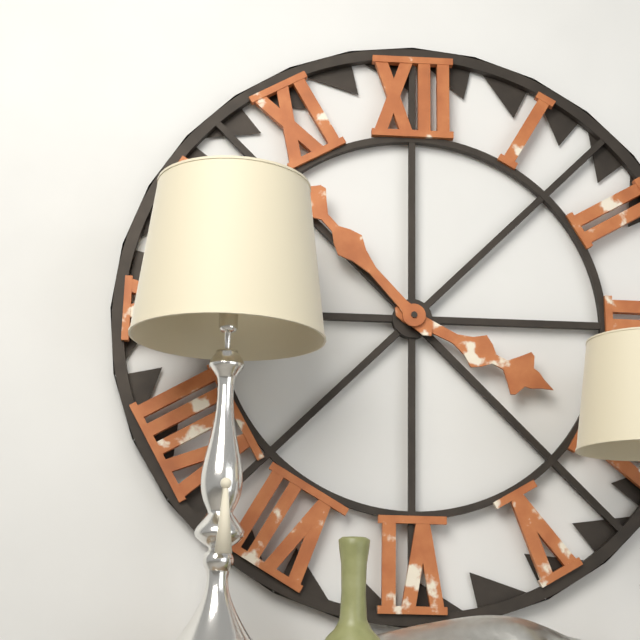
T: 3 h 53 min
